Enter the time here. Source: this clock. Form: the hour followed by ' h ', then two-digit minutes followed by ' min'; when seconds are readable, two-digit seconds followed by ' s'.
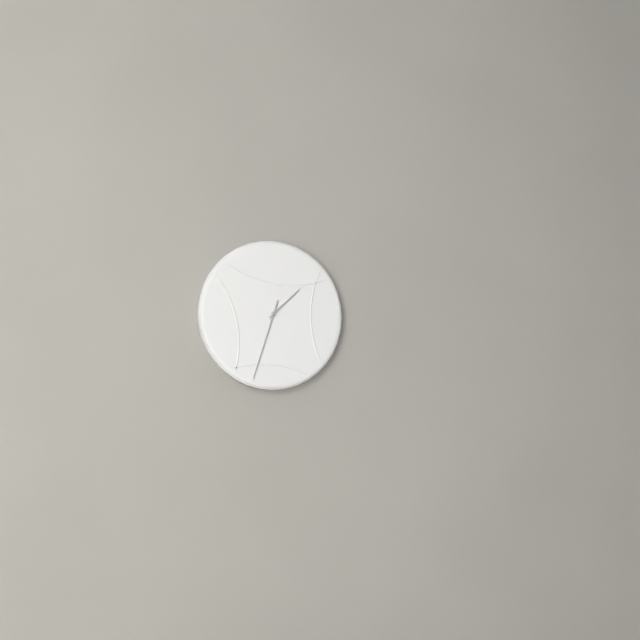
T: 1 h 33 min
